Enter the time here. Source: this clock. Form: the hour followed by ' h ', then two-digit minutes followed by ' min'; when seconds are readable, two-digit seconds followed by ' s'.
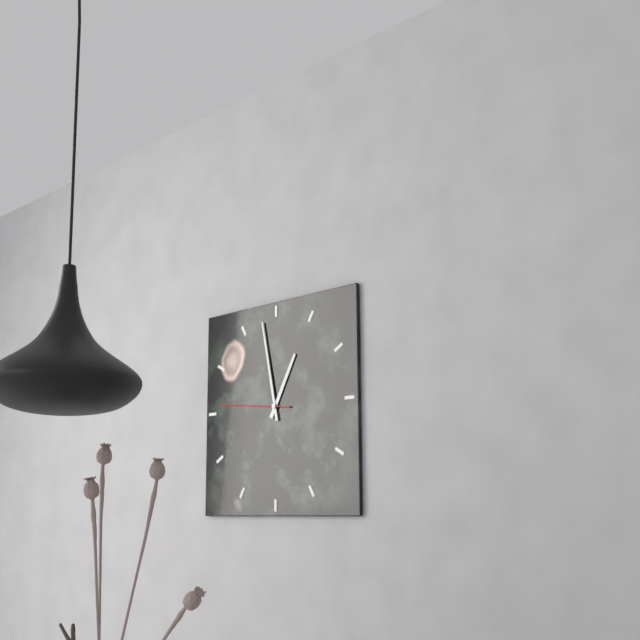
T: 12 h 58 min 46 s
